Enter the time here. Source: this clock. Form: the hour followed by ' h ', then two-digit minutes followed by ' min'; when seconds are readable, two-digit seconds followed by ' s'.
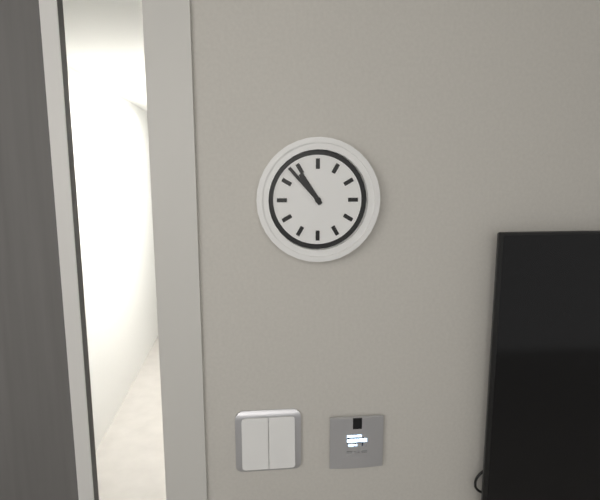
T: 10 h 53 min
